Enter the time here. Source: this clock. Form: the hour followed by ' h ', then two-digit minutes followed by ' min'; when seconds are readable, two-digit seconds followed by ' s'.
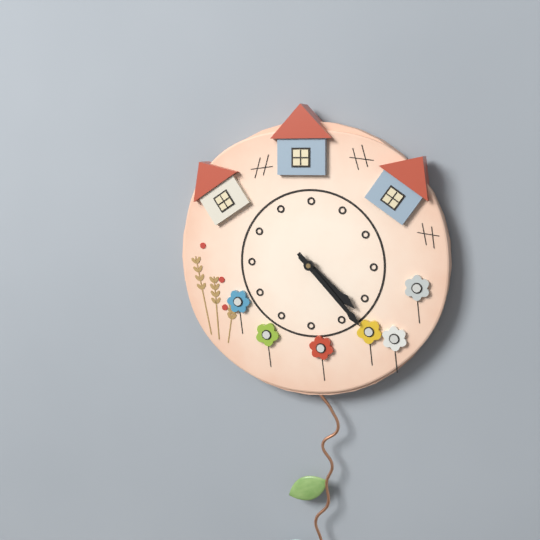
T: 4 h 23 min
